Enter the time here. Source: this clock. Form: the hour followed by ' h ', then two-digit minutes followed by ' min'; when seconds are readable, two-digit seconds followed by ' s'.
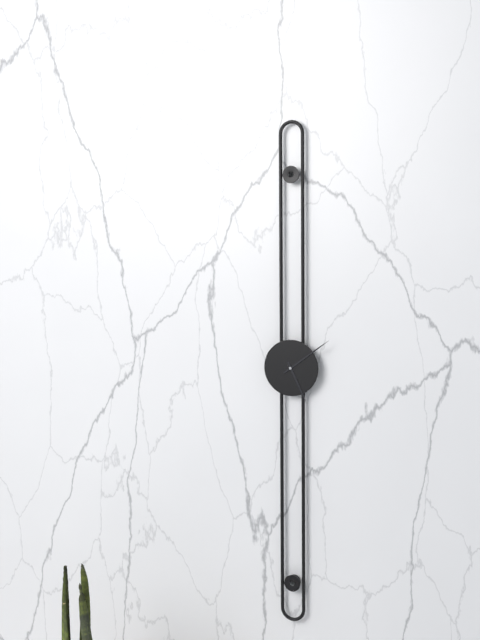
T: 5 h 09 min
